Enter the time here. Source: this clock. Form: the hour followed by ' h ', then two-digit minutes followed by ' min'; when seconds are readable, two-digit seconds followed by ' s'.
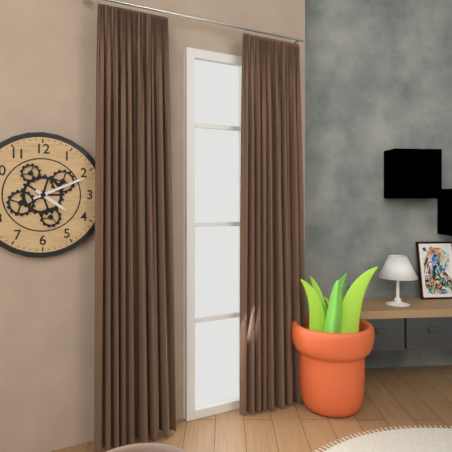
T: 4 h 11 min
